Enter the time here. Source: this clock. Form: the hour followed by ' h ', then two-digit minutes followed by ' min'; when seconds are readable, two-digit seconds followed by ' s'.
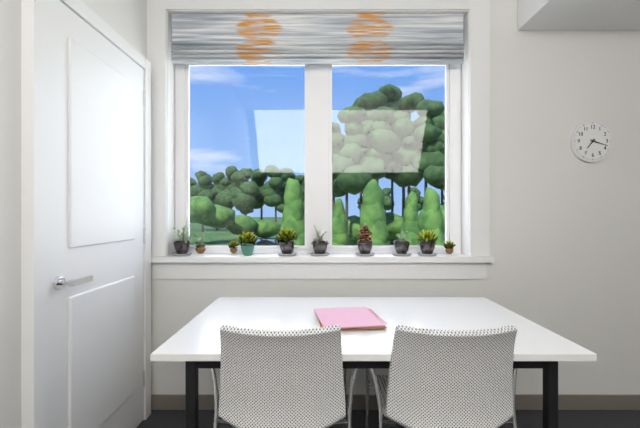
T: 7 h 18 min
